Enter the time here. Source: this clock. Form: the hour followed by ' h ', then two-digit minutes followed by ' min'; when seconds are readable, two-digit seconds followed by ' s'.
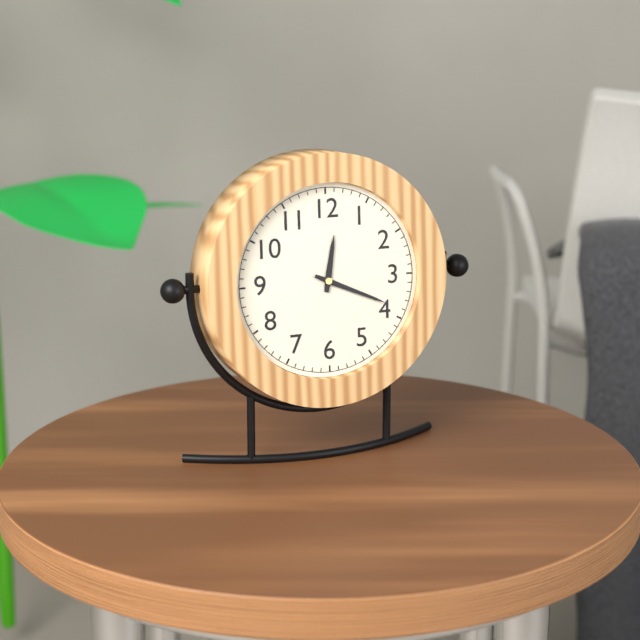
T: 12 h 19 min
